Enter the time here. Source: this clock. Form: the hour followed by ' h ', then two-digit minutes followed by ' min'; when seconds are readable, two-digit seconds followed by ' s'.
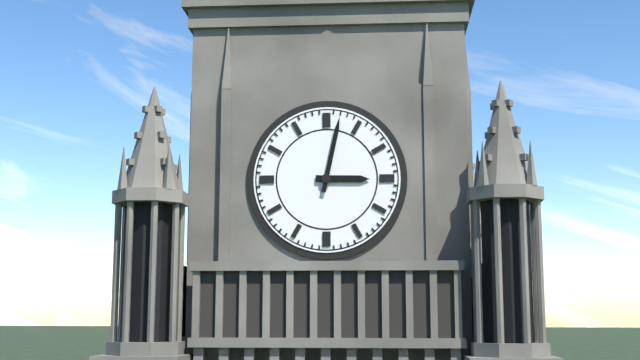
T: 3 h 02 min
